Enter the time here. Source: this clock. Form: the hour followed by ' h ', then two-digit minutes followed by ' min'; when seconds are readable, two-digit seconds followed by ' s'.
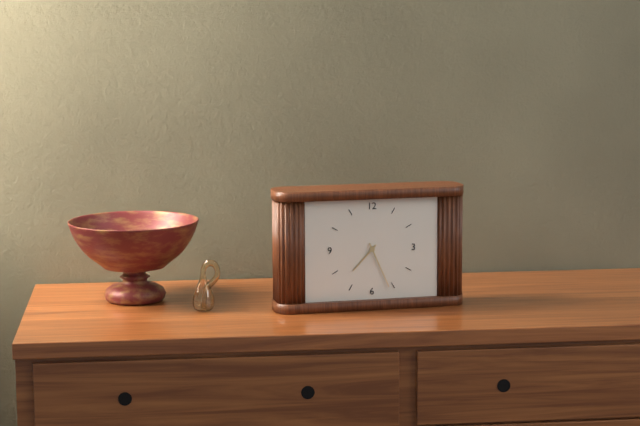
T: 7 h 26 min
